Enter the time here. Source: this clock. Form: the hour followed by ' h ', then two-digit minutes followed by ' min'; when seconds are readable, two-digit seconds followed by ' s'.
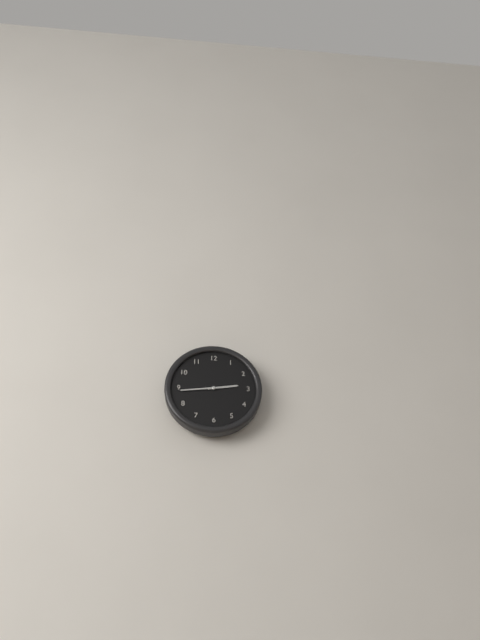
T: 2 h 44 min
